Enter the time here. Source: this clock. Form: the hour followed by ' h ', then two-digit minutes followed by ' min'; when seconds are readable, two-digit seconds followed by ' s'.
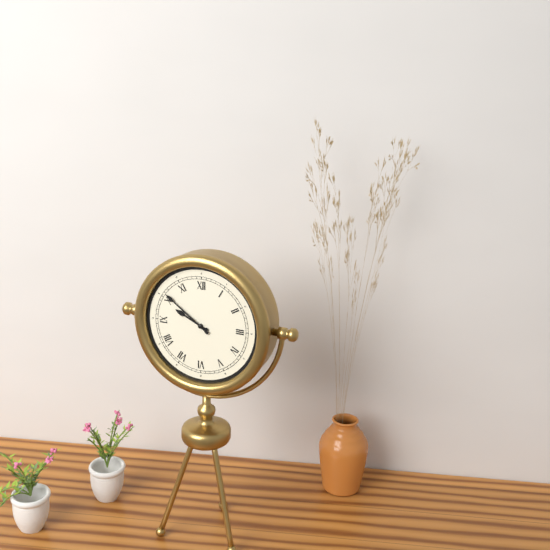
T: 9 h 51 min
